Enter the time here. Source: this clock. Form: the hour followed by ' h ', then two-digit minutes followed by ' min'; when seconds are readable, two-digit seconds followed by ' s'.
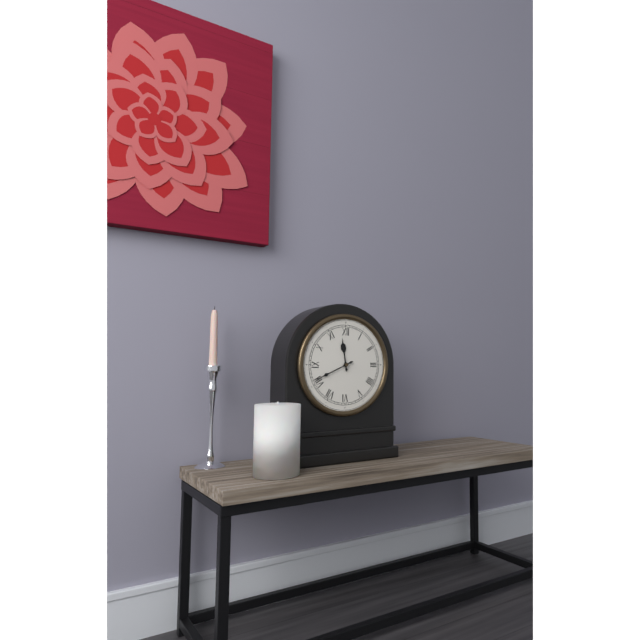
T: 11 h 41 min
